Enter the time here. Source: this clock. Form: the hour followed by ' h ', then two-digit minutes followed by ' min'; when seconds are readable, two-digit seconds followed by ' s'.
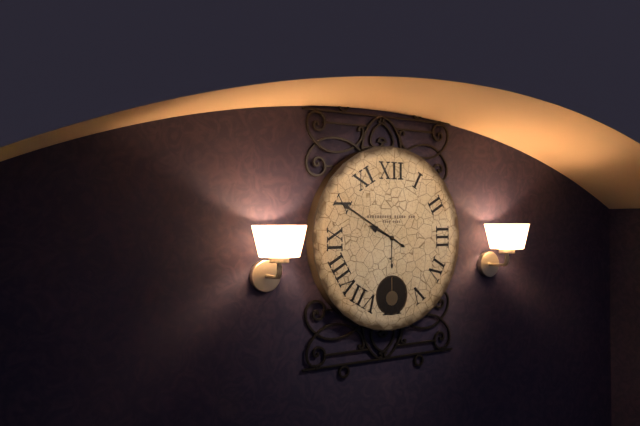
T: 9 h 50 min
